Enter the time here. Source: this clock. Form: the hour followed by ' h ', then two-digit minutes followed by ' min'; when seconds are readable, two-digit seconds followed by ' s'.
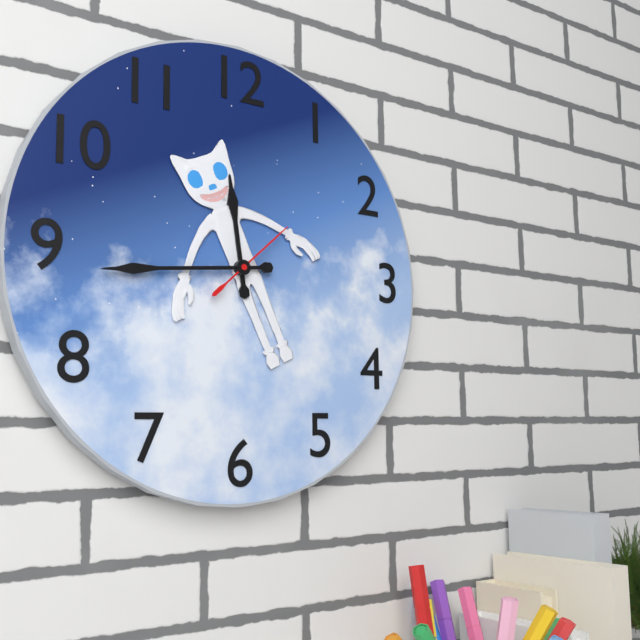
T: 11 h 44 min 08 s
